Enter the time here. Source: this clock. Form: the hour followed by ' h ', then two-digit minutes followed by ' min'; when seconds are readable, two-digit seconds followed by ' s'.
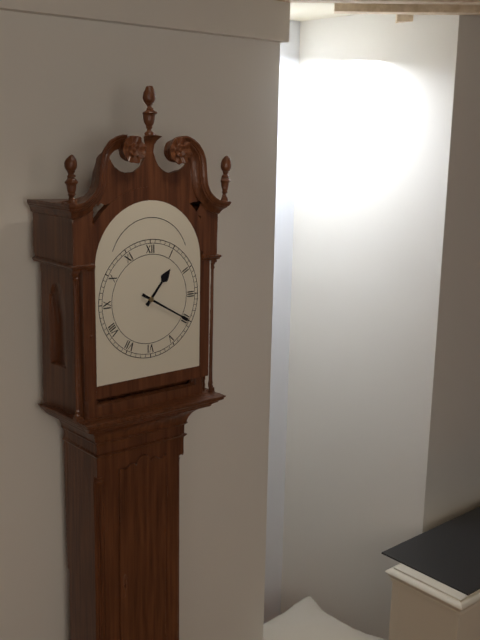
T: 1 h 20 min
